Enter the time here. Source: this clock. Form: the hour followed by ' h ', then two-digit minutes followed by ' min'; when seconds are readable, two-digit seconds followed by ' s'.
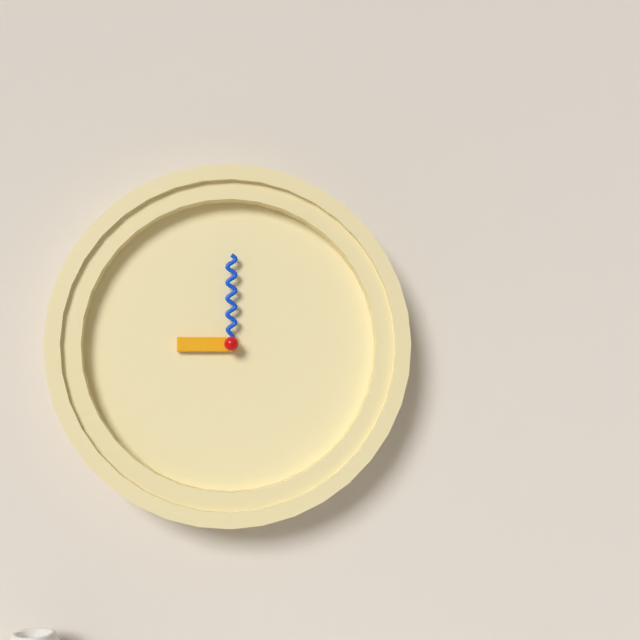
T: 9 h 00 min
